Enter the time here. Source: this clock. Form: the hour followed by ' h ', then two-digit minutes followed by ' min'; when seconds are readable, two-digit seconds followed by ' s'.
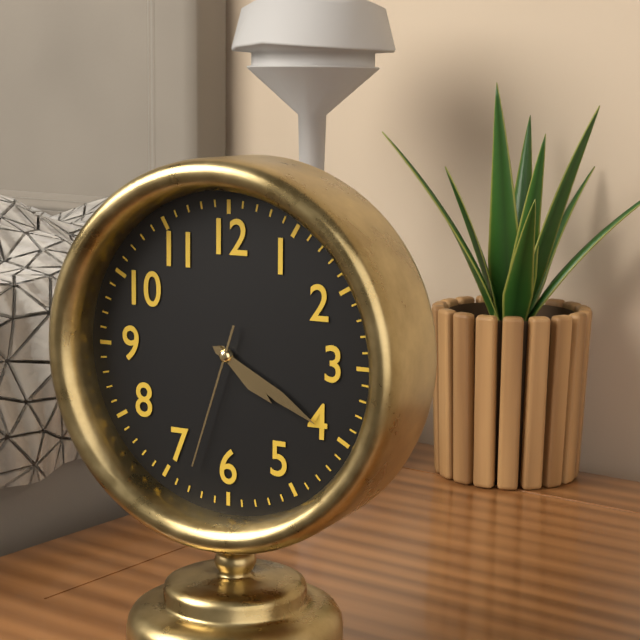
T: 4 h 20 min 33 s
